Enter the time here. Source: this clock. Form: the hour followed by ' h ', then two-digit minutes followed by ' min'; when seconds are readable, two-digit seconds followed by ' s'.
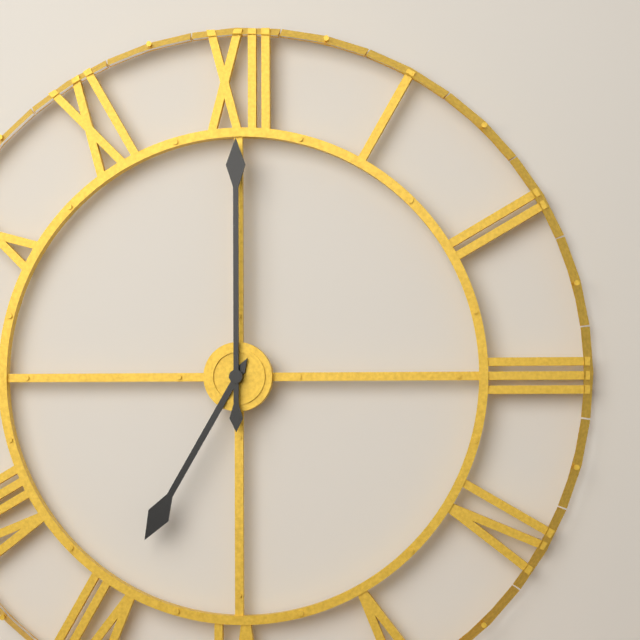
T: 7 h 00 min
